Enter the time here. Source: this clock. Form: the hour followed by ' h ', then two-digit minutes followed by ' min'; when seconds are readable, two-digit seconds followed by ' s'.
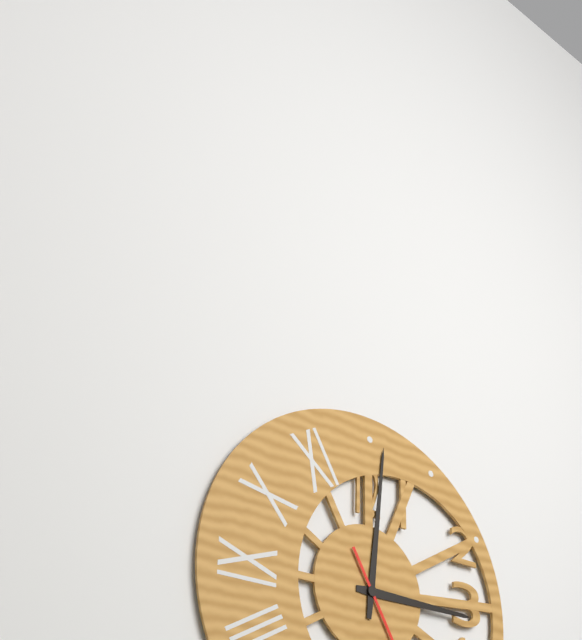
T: 3 h 01 min
